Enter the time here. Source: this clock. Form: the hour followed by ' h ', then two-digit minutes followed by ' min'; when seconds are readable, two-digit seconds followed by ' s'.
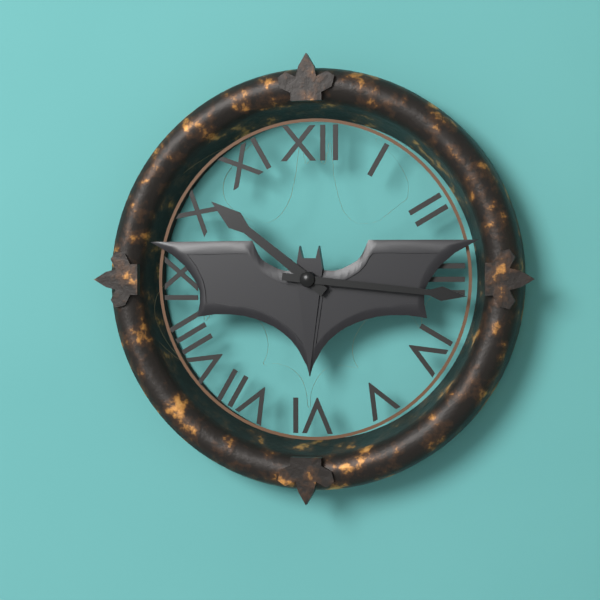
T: 10 h 16 min
